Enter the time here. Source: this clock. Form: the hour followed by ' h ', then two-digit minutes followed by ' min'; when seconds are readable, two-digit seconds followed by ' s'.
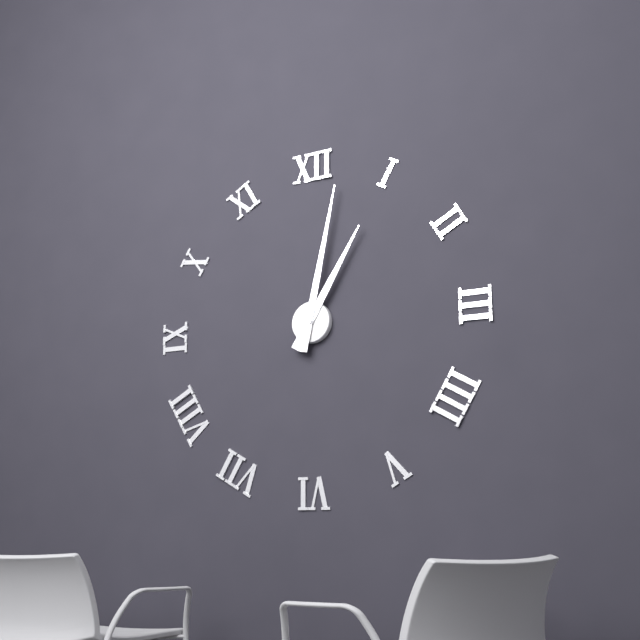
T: 1 h 02 min
